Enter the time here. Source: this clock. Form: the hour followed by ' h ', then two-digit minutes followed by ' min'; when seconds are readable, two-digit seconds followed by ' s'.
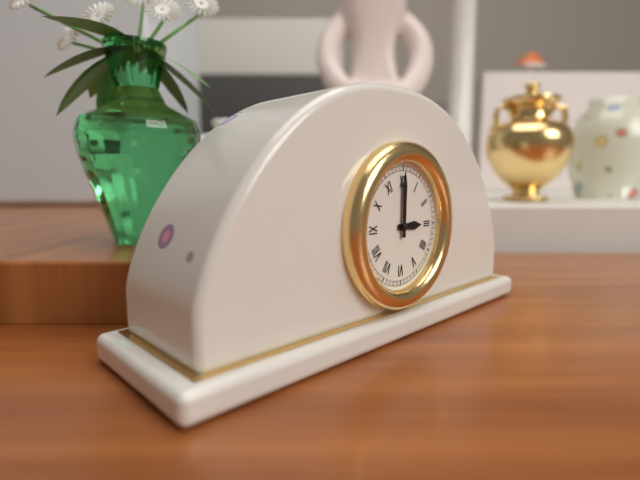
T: 3 h 00 min
